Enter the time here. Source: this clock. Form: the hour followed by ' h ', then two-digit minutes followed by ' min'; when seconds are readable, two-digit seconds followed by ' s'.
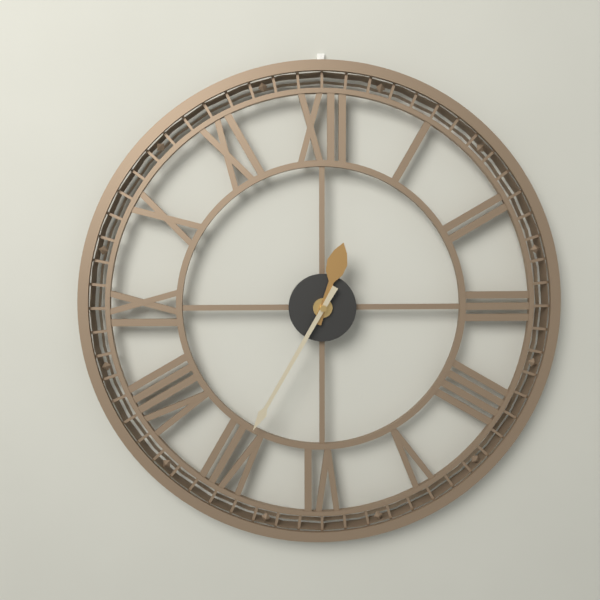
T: 12 h 35 min
